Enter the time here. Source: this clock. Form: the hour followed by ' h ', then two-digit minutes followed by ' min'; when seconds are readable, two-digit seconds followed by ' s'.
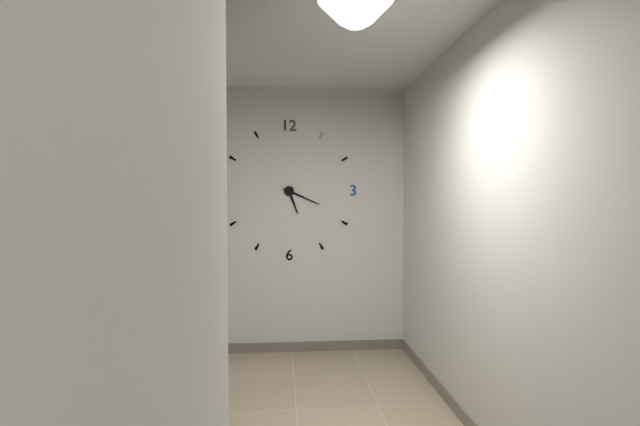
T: 5 h 19 min
